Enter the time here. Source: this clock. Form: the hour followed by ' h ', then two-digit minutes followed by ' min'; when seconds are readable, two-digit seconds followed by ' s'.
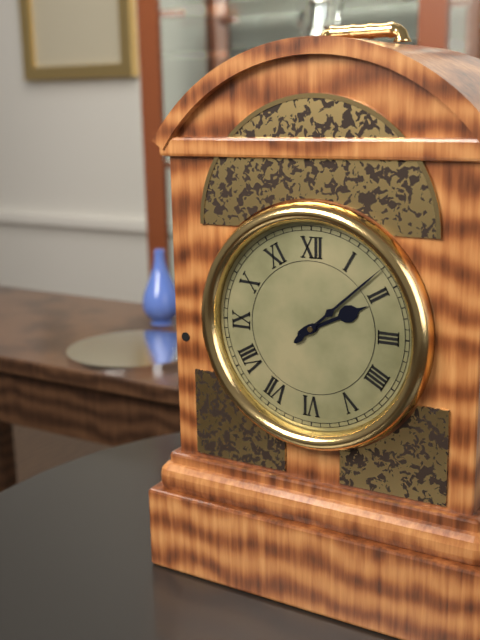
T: 2 h 08 min
